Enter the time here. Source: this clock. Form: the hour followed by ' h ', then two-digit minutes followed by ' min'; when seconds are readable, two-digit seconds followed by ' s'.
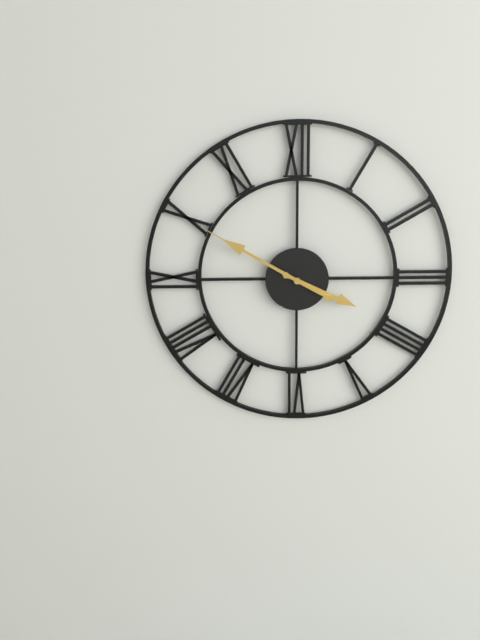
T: 3 h 50 min
